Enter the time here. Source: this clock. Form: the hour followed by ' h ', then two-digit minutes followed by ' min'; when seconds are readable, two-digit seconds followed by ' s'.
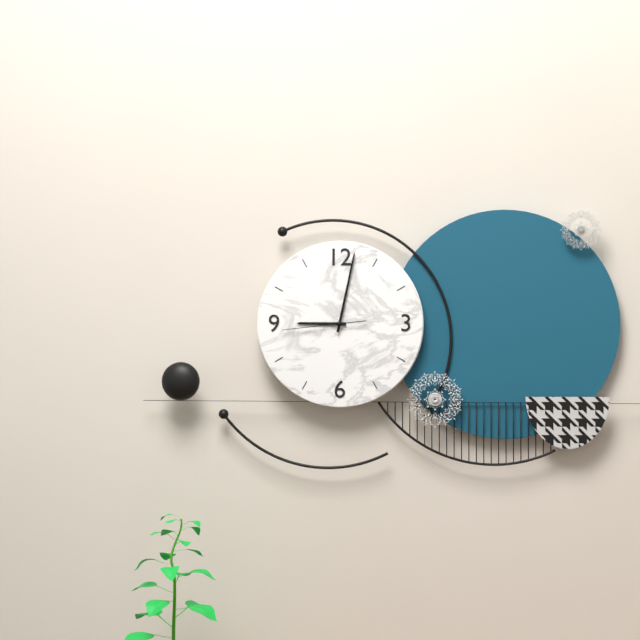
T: 9 h 02 min 44 s
